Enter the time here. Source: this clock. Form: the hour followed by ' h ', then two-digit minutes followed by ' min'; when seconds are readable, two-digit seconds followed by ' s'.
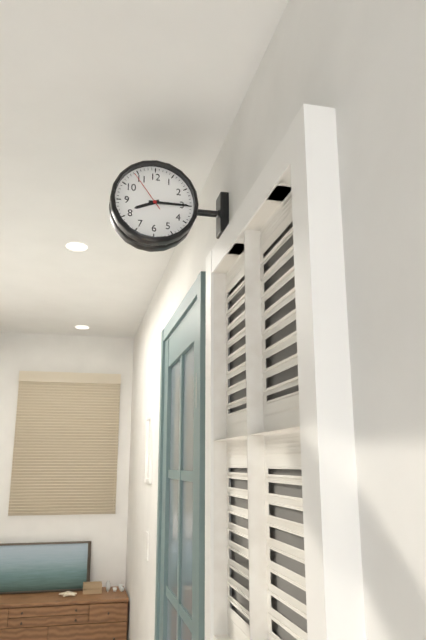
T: 8 h 15 min
